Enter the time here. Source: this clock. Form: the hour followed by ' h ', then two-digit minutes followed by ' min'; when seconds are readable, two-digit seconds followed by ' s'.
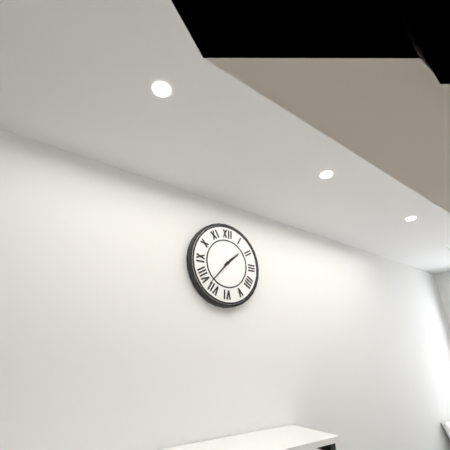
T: 1 h 37 min
